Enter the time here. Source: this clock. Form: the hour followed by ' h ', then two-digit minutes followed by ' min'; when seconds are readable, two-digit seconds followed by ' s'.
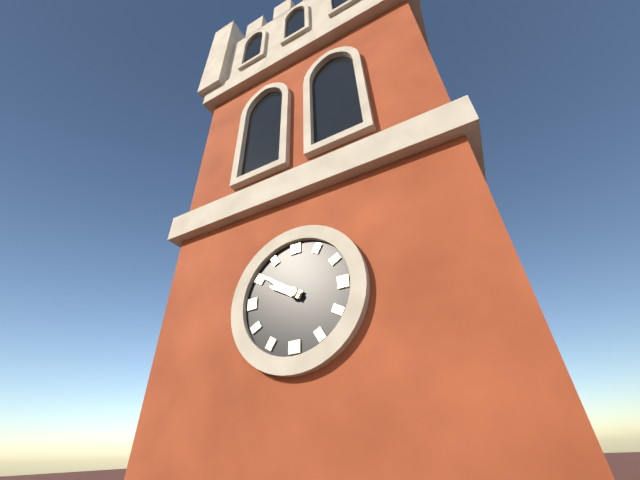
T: 9 h 51 min
